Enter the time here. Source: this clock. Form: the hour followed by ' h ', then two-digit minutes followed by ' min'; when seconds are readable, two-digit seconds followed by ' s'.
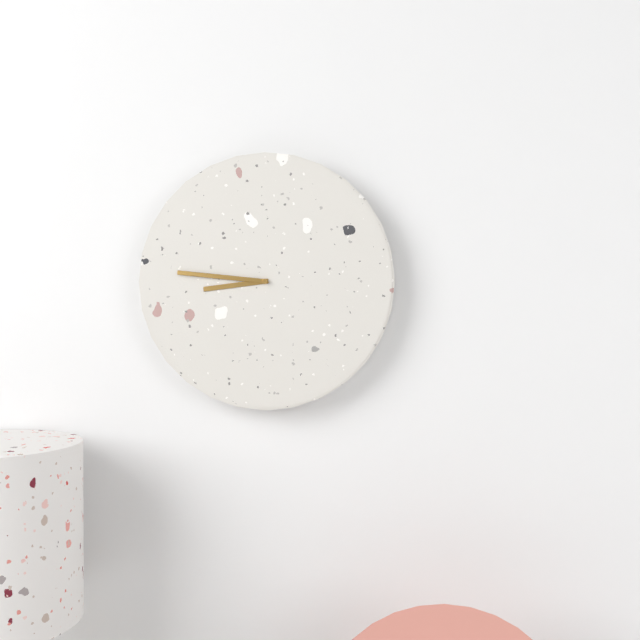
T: 8 h 46 min
